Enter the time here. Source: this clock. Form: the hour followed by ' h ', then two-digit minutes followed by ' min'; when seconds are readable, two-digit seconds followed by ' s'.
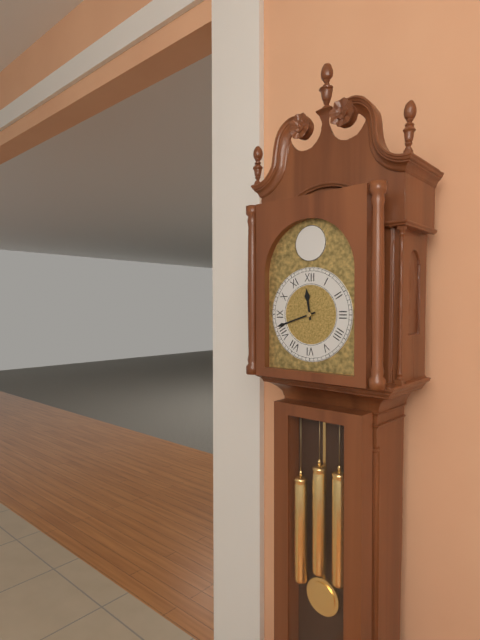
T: 11 h 42 min
